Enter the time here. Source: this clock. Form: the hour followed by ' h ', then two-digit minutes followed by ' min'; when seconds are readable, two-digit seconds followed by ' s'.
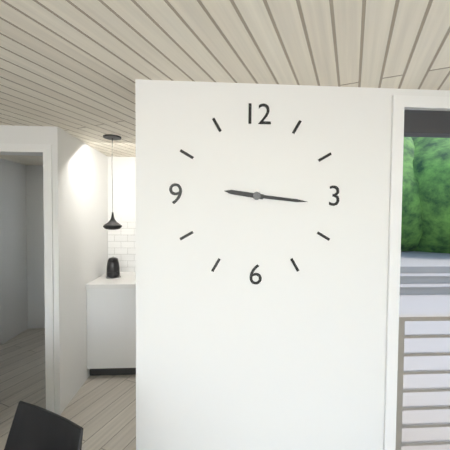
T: 9 h 16 min
